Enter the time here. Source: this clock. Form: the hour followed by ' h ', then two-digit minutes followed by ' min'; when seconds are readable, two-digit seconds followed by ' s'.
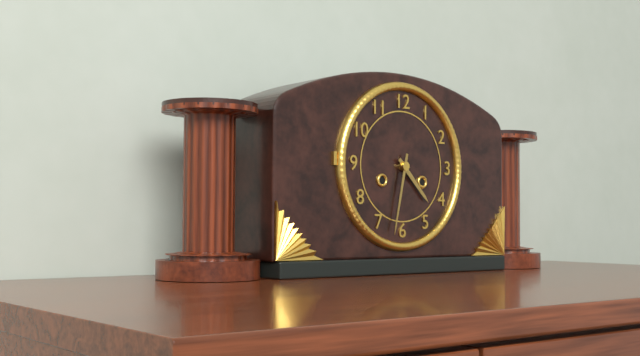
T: 4 h 32 min
